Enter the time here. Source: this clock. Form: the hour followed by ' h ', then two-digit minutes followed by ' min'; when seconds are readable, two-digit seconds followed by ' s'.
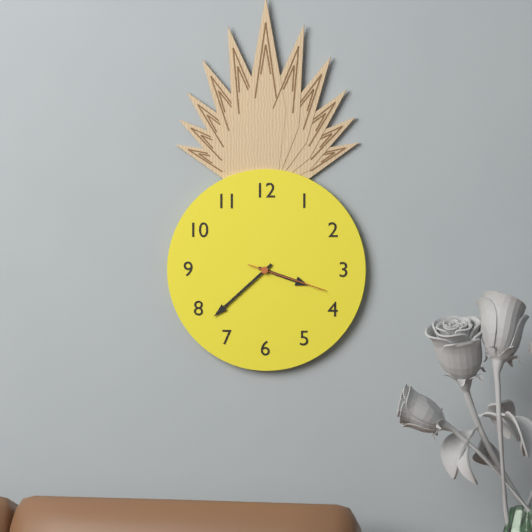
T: 3 h 38 min 18 s
